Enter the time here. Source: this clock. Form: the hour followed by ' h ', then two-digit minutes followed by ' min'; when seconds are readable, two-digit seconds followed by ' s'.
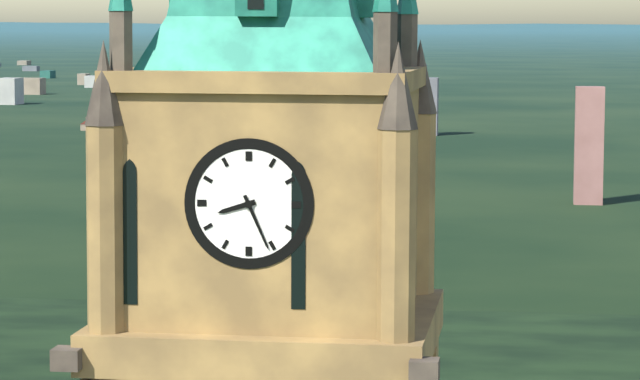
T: 8 h 26 min
